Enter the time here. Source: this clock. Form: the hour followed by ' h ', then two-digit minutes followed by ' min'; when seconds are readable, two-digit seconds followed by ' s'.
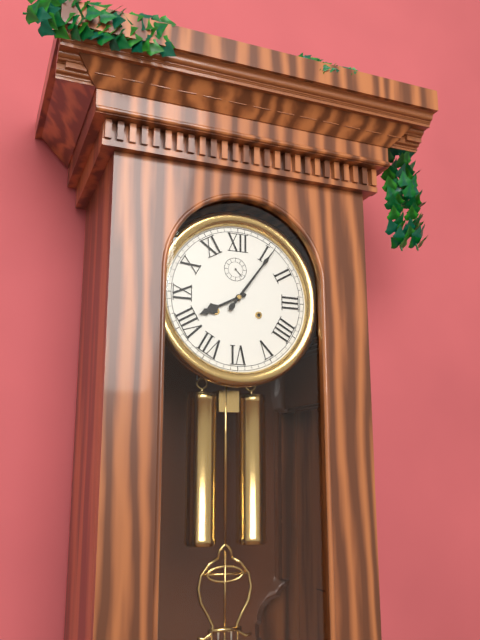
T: 8 h 06 min
